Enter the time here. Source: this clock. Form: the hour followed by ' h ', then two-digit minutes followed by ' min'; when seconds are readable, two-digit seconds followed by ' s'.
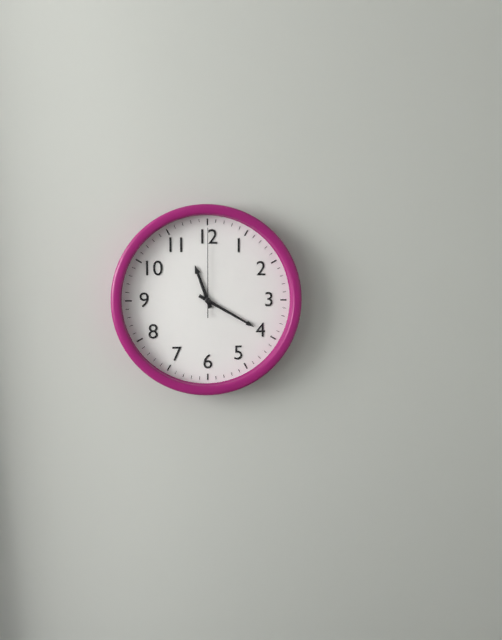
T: 11 h 20 min 00 s
